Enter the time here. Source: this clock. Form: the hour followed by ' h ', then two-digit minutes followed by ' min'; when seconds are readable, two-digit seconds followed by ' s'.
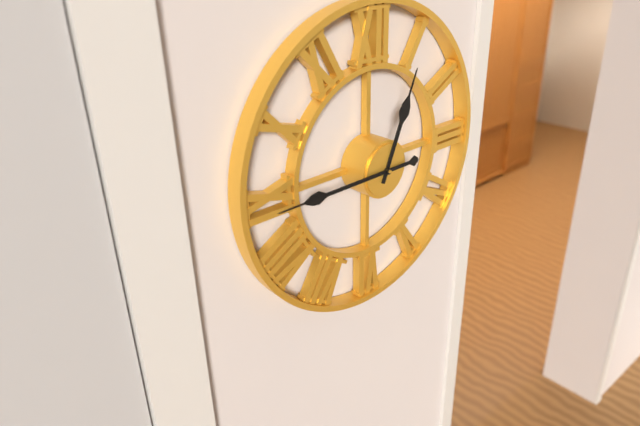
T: 12 h 45 min
